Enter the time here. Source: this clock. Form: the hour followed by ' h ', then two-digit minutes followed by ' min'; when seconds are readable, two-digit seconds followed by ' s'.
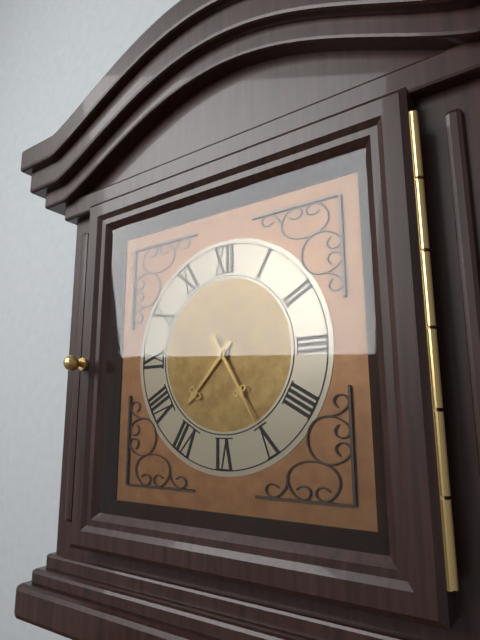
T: 7 h 25 min
